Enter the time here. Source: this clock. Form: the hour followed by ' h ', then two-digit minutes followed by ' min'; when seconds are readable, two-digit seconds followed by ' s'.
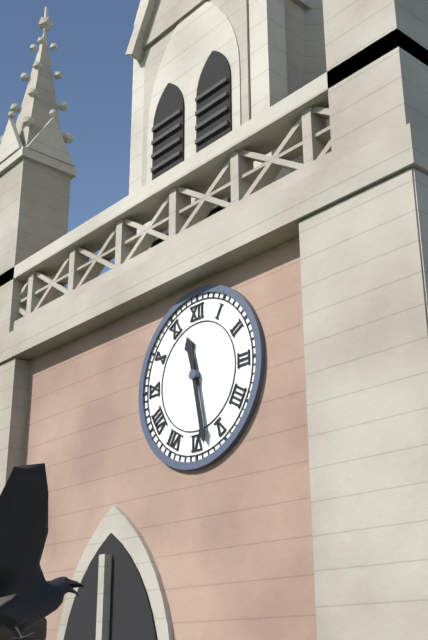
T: 11 h 28 min
